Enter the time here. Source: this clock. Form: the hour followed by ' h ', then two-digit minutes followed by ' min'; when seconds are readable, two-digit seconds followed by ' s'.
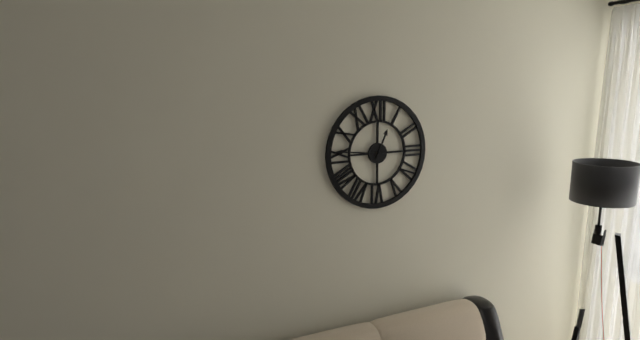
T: 12 h 46 min
